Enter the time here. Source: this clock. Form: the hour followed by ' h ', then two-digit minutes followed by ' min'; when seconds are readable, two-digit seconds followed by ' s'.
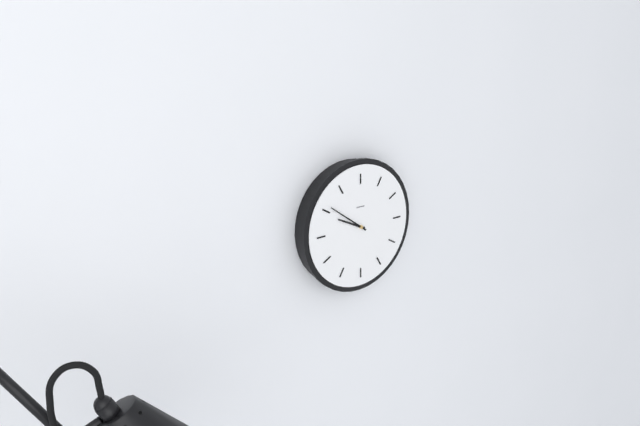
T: 9 h 51 min
